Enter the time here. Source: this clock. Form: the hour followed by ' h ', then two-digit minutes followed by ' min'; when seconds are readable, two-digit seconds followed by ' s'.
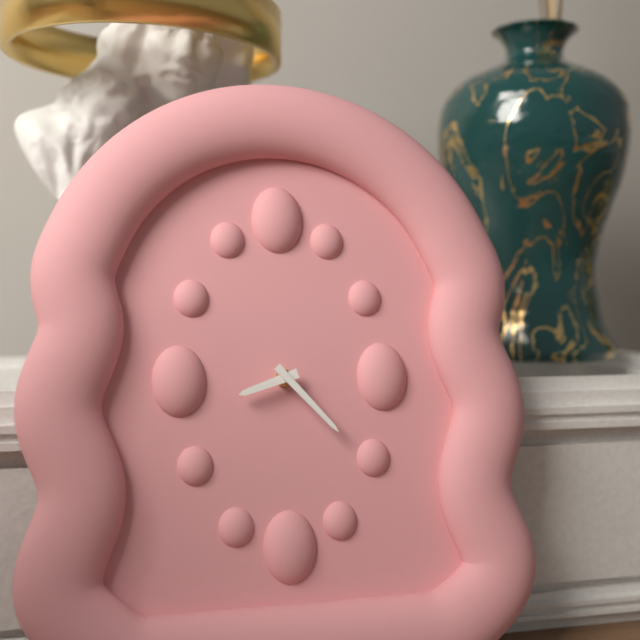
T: 8 h 23 min
